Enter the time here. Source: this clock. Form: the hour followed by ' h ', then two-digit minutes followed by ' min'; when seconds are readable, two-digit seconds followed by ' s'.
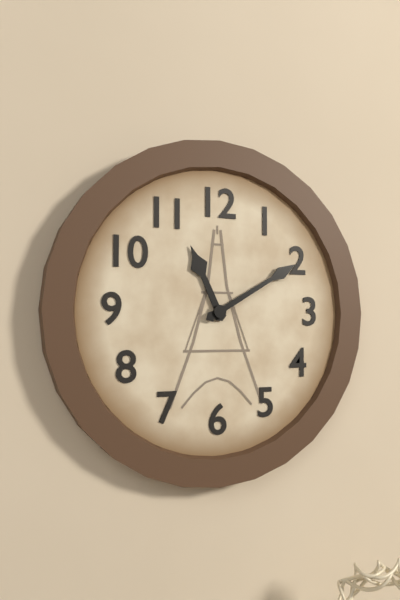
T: 11 h 10 min
